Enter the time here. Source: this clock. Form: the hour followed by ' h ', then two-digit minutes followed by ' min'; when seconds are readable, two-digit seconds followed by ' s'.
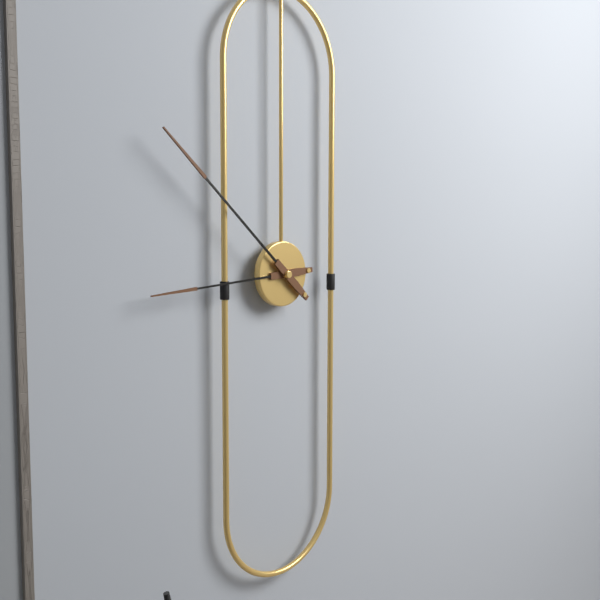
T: 8 h 52 min
